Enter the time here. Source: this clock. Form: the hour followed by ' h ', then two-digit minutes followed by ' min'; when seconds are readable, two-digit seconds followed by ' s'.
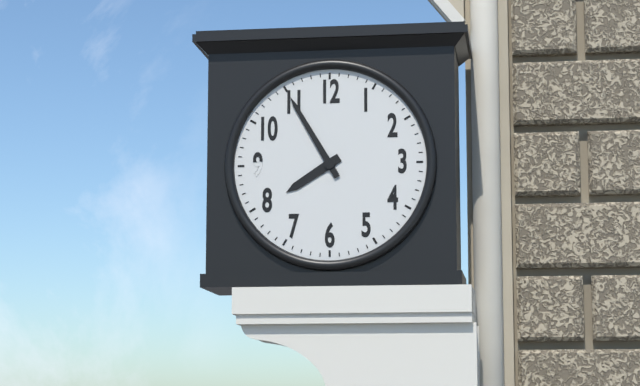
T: 7 h 55 min
